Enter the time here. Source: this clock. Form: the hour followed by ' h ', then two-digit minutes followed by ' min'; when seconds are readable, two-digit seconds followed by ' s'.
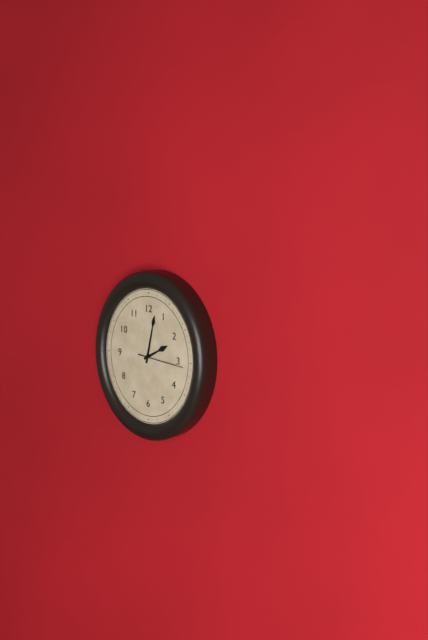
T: 2 h 02 min
